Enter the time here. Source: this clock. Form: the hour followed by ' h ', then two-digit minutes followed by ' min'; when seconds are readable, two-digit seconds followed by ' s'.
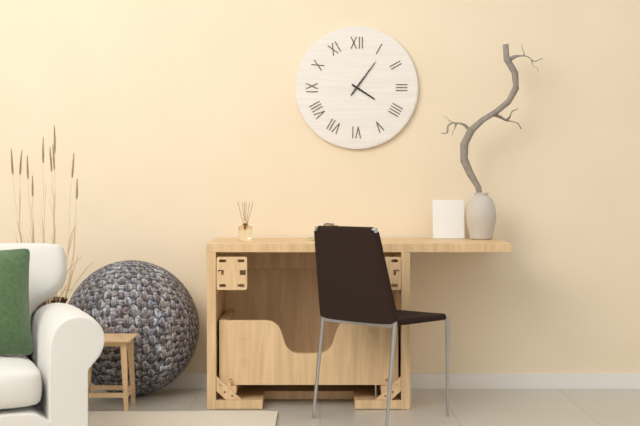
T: 4 h 06 min
